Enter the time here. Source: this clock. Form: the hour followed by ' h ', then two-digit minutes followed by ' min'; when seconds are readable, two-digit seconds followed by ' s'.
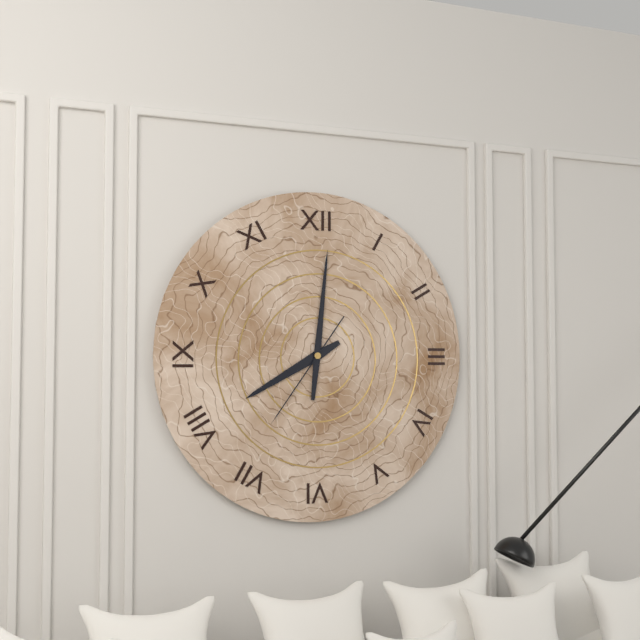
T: 8 h 01 min 36 s
